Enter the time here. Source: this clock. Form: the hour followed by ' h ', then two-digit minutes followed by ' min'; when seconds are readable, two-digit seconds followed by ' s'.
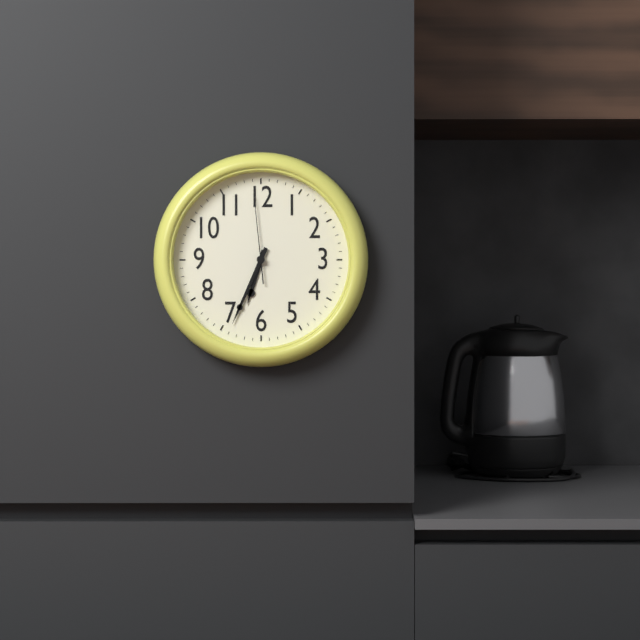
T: 6 h 34 min 59 s
